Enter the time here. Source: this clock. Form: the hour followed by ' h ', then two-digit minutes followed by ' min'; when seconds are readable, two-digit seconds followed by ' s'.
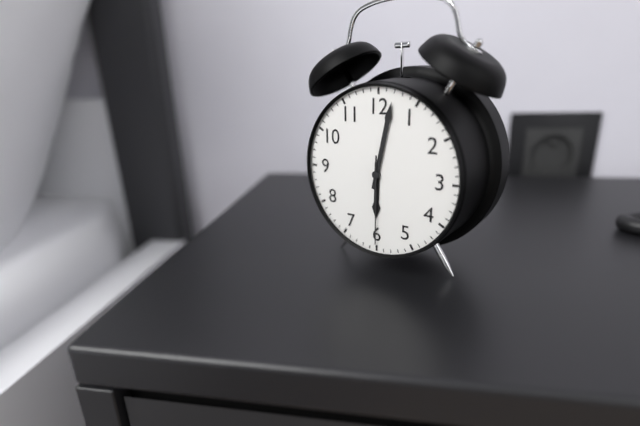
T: 6 h 02 min 30 s
